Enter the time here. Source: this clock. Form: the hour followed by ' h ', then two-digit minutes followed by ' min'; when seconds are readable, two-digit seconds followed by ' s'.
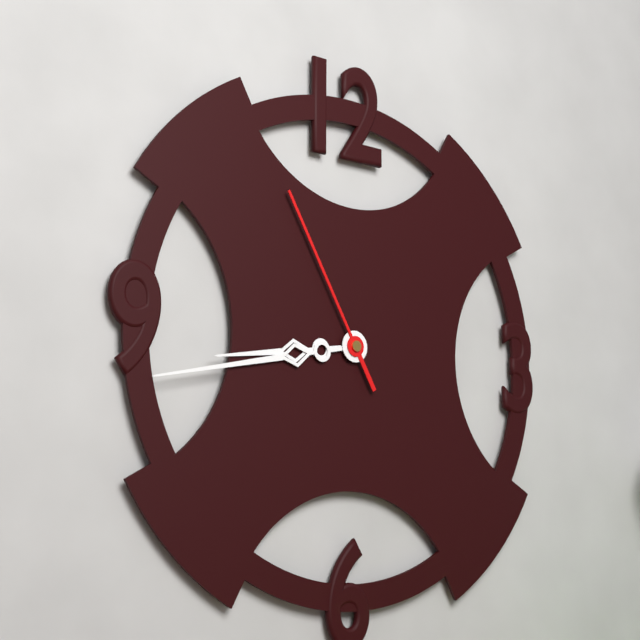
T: 8 h 43 min 55 s
